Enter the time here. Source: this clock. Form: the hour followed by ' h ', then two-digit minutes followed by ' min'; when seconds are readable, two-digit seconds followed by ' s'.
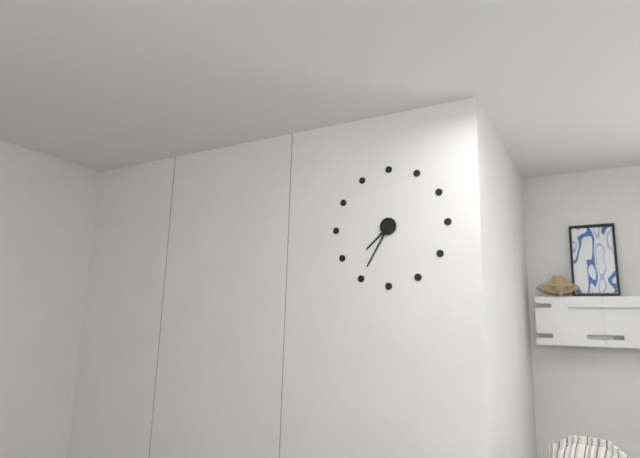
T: 7 h 35 min
